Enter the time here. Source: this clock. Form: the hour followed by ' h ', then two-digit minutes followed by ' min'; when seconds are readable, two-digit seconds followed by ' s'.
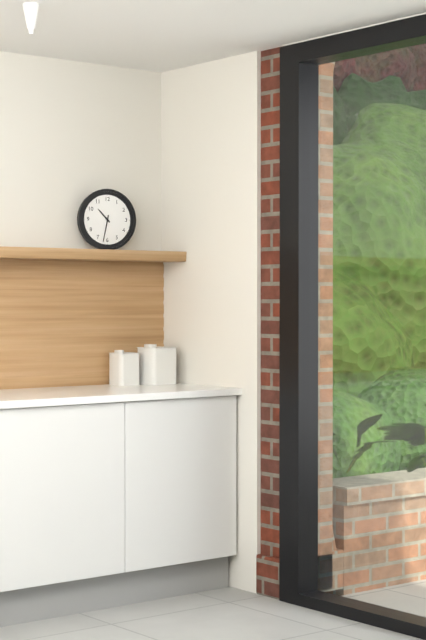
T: 10 h 32 min
